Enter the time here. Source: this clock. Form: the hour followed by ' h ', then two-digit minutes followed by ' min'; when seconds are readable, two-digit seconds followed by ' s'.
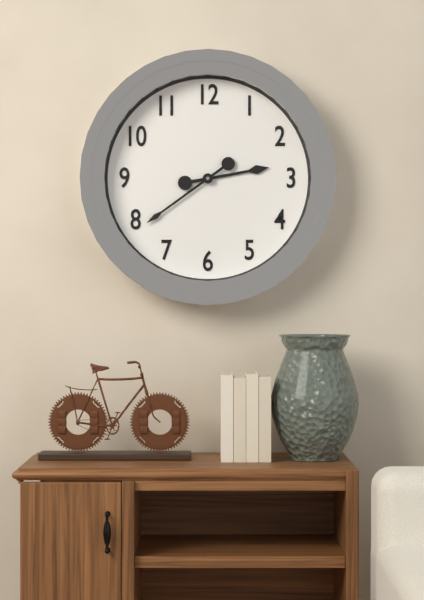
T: 2 h 39 min
